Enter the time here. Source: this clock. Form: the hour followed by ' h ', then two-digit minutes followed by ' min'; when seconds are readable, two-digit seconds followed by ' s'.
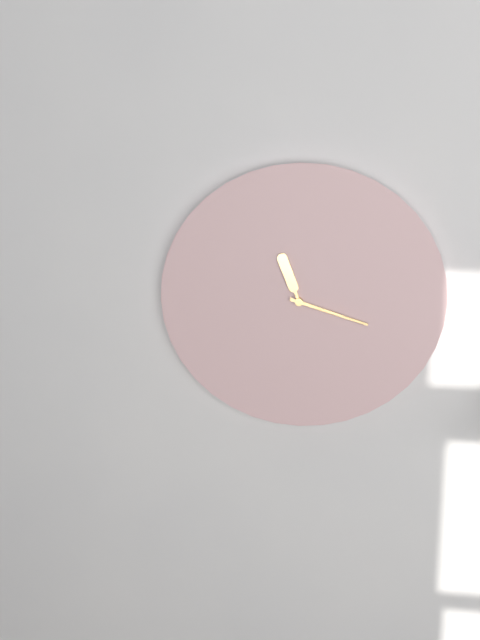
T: 11 h 18 min
